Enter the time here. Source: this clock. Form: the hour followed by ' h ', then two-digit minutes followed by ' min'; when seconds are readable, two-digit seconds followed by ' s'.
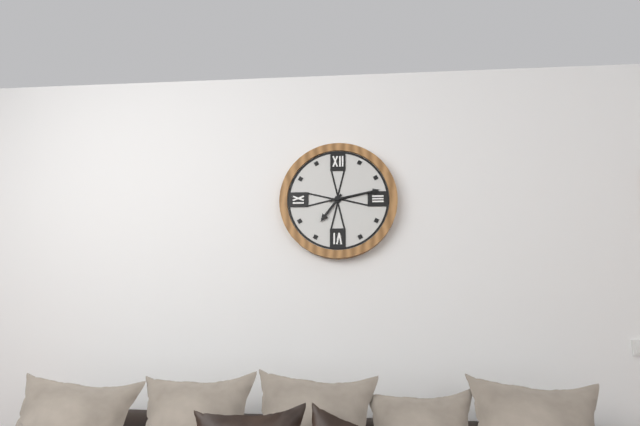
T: 7 h 13 min
